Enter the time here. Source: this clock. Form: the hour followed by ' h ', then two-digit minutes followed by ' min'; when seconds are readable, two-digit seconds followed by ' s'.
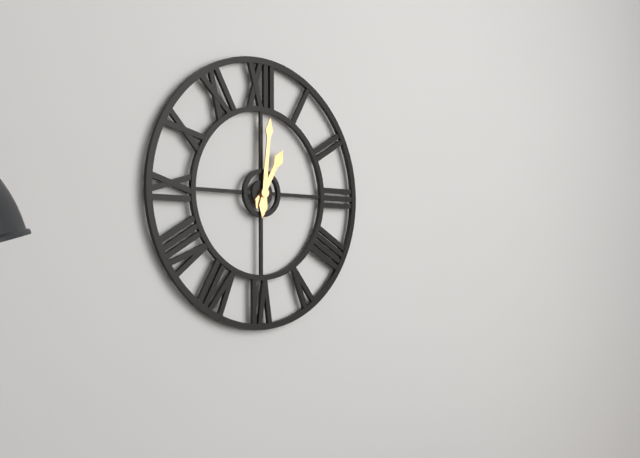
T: 1 h 01 min
